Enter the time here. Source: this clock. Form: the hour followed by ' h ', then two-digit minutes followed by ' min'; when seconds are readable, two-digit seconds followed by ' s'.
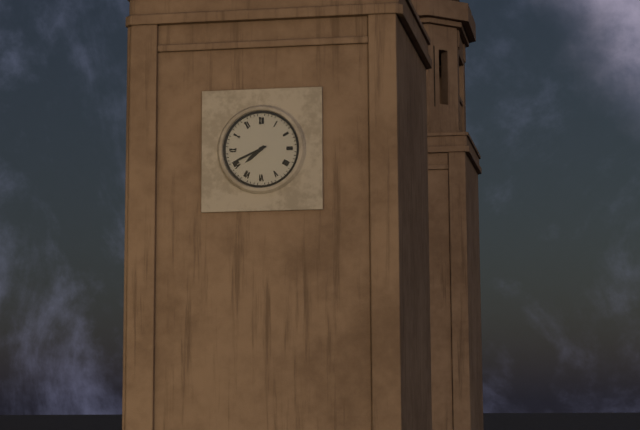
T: 7 h 41 min
